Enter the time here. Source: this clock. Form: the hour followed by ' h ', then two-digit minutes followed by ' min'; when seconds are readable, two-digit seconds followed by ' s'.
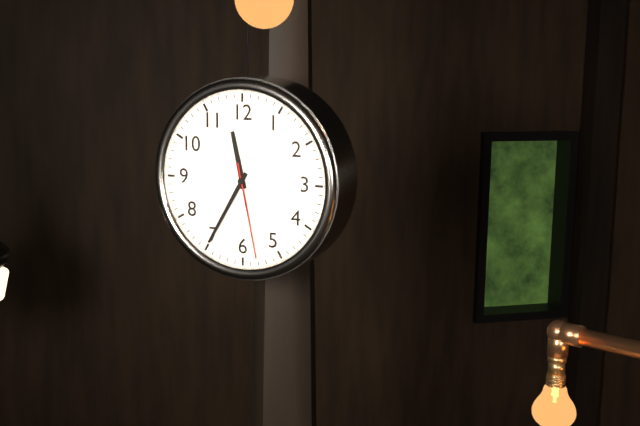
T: 11 h 35 min 28 s
